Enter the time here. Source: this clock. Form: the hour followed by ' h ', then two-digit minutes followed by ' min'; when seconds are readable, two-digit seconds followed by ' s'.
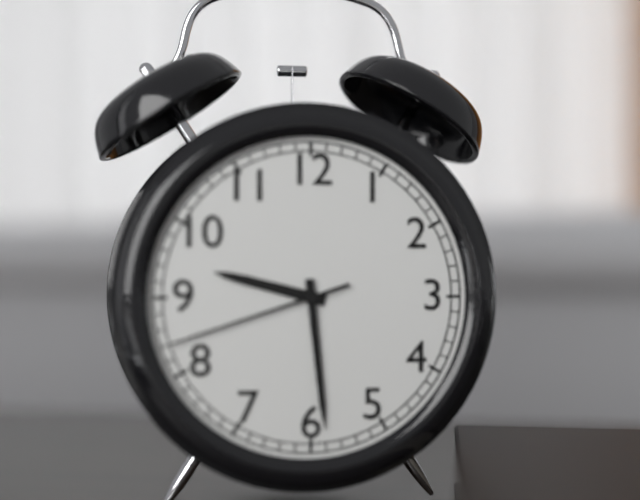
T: 9 h 29 min 42 s
